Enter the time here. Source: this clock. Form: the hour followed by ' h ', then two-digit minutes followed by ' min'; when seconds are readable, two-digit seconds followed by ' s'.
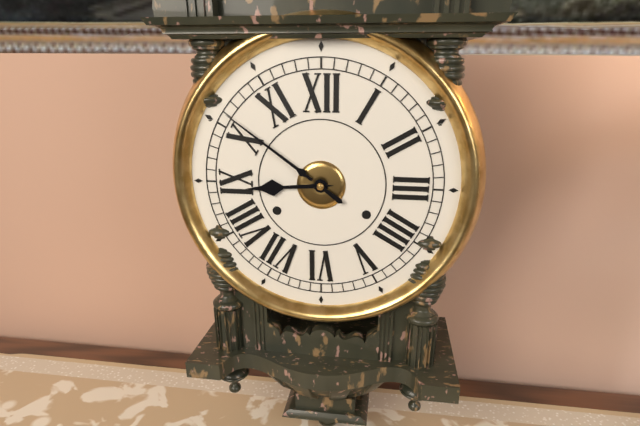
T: 8 h 51 min
